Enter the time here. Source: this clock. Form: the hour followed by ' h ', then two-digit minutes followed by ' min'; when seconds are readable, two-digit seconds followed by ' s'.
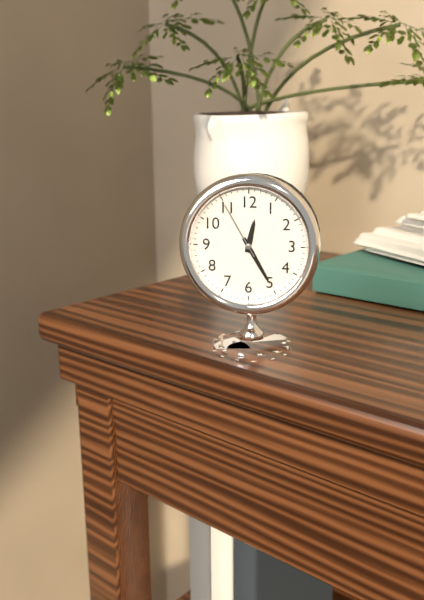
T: 12 h 25 min 55 s
